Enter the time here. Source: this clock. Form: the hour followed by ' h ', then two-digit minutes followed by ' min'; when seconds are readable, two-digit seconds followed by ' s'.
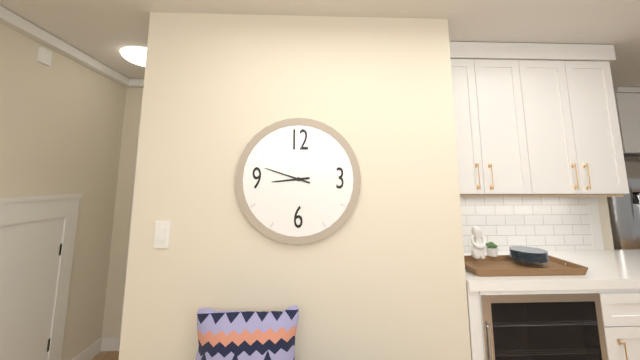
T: 8 h 48 min
